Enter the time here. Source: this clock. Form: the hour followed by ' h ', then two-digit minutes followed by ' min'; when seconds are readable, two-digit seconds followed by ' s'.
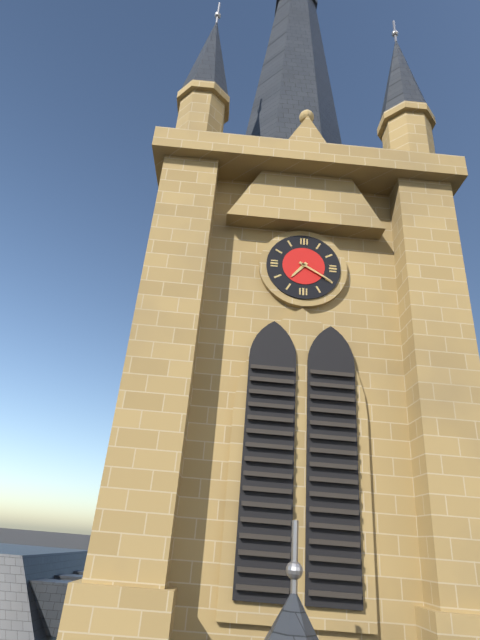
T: 7 h 20 min
